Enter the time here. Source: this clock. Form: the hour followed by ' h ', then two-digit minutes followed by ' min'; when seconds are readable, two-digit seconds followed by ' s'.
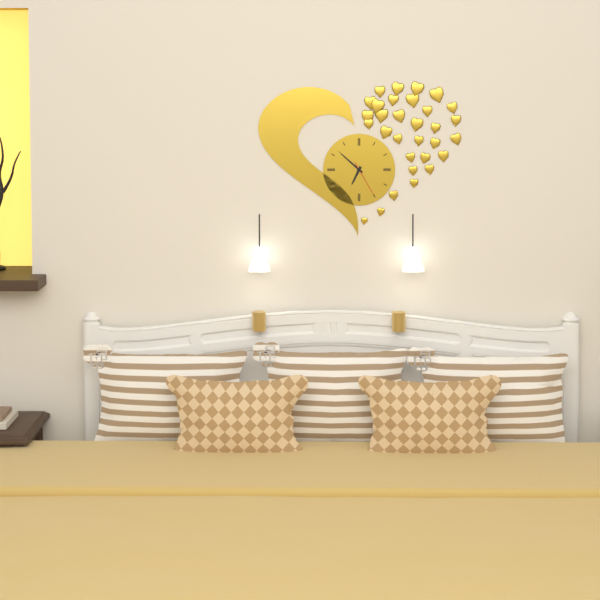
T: 6 h 52 min
